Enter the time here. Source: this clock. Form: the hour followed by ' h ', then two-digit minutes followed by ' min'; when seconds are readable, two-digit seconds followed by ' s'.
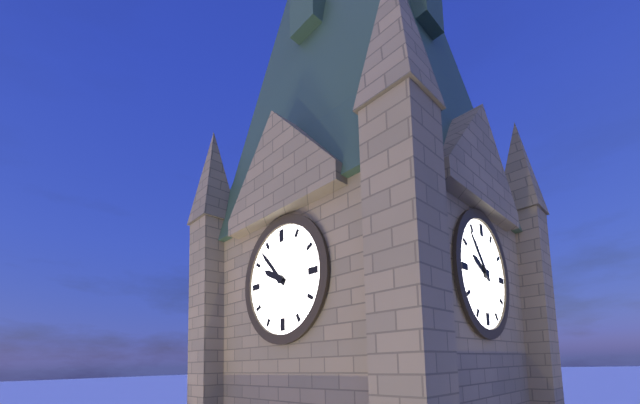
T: 9 h 53 min
